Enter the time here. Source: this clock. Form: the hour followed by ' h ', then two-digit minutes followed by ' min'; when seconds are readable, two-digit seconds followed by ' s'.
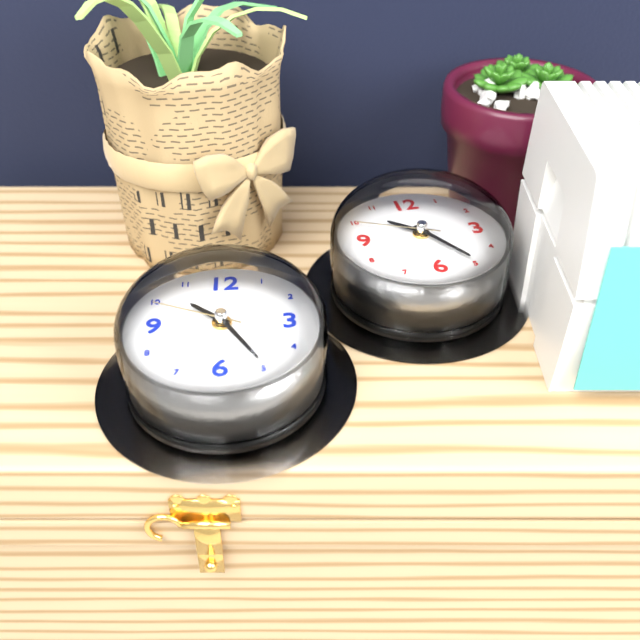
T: 10 h 25 min 49 s
